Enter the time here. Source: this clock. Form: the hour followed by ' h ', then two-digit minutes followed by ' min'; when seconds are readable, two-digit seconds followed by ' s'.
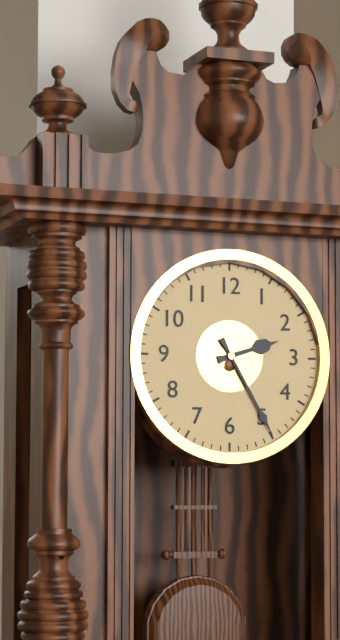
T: 2 h 25 min
